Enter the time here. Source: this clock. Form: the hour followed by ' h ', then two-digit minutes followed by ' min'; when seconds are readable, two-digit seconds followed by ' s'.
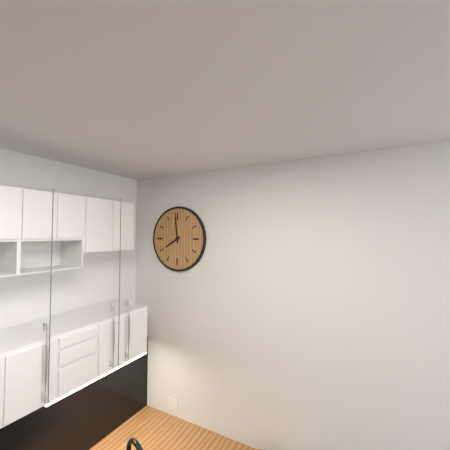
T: 7 h 59 min
